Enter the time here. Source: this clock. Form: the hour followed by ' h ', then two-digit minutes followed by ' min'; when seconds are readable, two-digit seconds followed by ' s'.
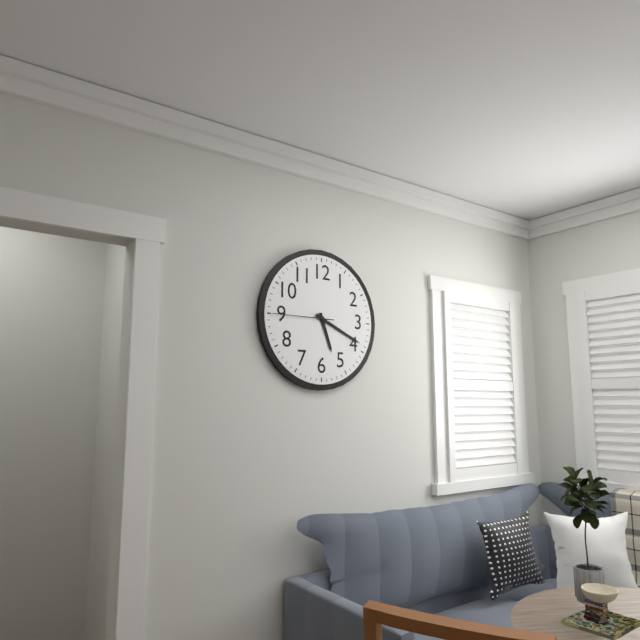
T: 5 h 19 min 45 s
